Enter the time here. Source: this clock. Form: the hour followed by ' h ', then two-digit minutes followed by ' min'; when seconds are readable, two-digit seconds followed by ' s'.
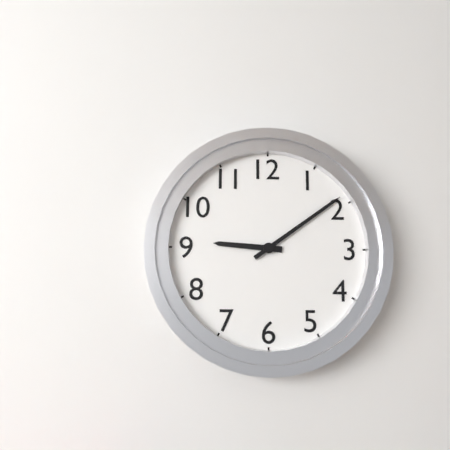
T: 9 h 09 min
